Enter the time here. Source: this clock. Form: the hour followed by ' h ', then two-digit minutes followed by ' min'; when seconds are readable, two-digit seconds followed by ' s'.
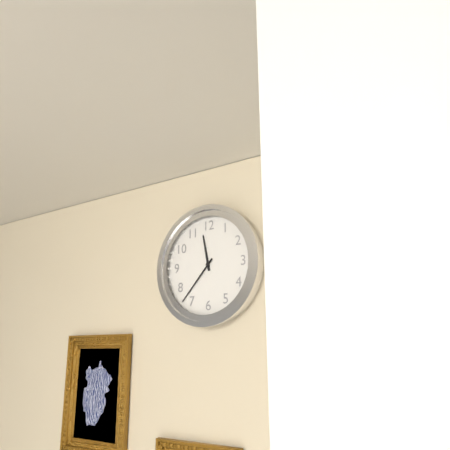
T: 11 h 37 min
